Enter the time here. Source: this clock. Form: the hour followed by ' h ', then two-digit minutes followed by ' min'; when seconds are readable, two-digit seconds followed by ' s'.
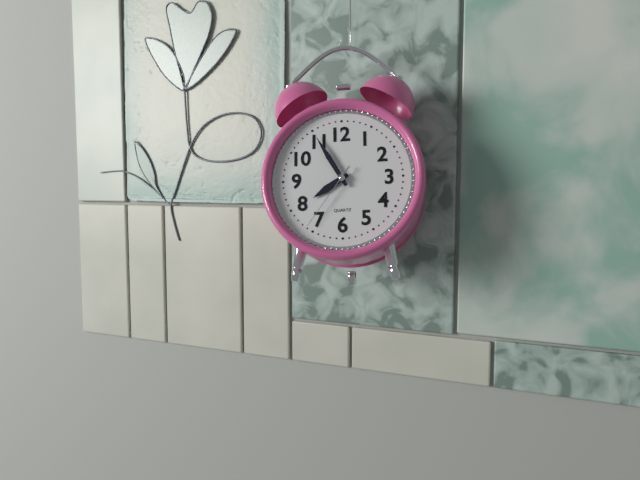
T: 7 h 55 min 36 s
